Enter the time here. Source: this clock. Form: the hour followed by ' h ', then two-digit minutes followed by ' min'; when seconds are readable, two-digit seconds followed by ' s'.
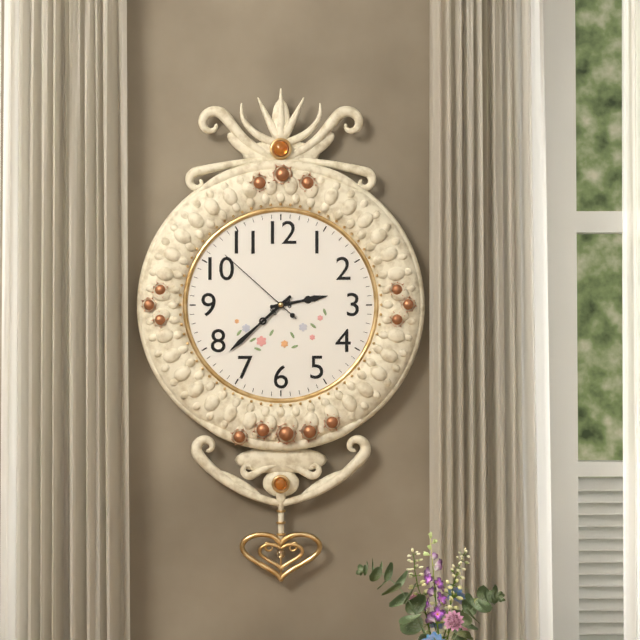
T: 2 h 38 min 52 s
